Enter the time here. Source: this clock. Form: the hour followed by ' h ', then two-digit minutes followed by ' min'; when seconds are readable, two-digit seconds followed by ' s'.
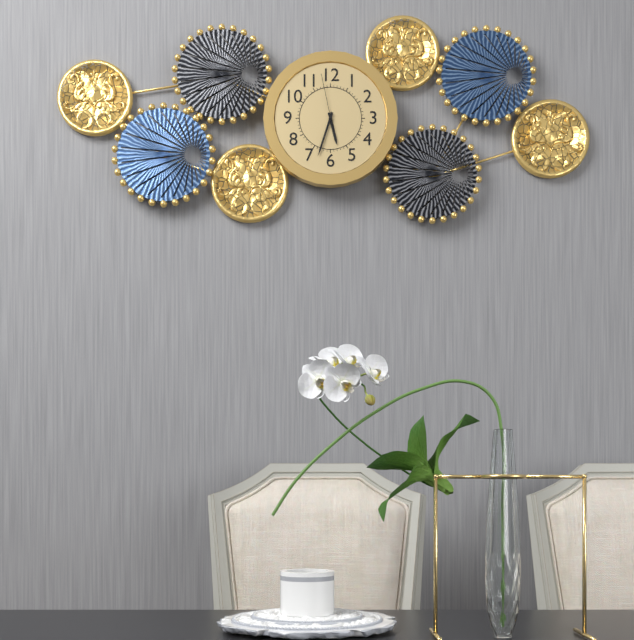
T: 5 h 33 min 58 s
